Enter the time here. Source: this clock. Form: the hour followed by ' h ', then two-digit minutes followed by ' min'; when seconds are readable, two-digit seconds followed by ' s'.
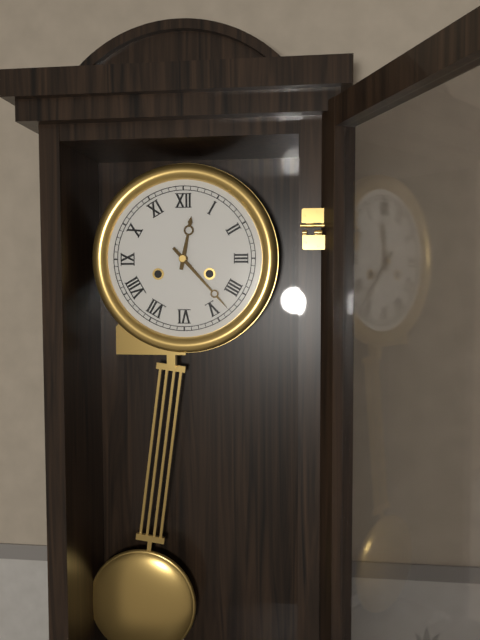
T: 12 h 23 min
